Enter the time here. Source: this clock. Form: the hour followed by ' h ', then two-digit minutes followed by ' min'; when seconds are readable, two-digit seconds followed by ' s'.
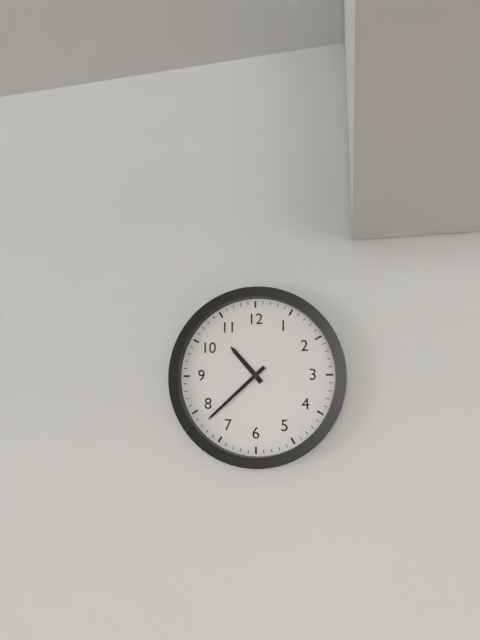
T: 10 h 38 min
